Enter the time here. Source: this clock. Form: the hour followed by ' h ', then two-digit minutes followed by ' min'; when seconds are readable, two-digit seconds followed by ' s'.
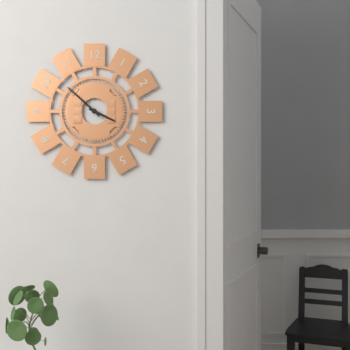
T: 3 h 52 min
